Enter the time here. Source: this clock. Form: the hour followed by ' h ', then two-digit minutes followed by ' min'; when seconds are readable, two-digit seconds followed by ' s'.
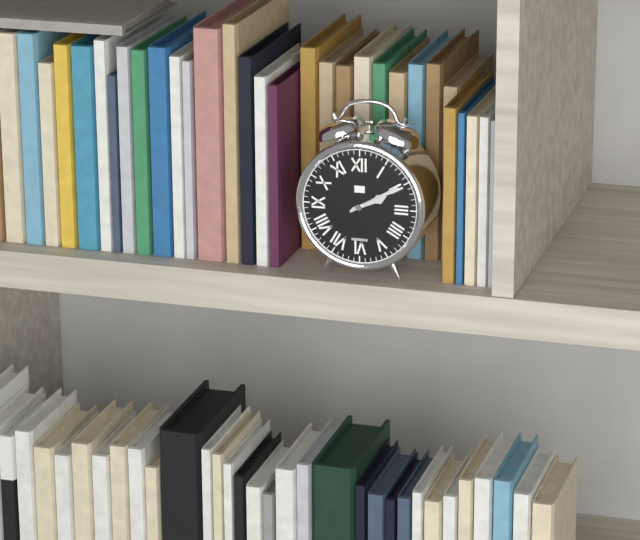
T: 2 h 10 min
